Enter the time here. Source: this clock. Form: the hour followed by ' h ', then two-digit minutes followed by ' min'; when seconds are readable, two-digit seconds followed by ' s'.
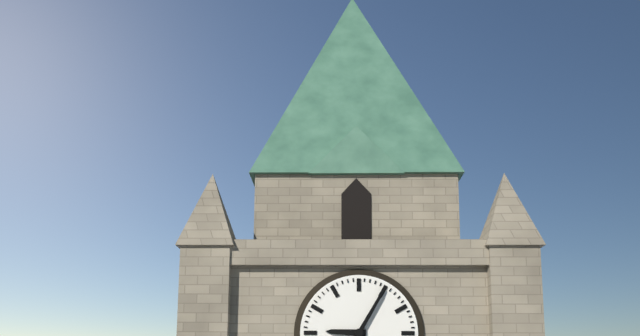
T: 9 h 05 min
